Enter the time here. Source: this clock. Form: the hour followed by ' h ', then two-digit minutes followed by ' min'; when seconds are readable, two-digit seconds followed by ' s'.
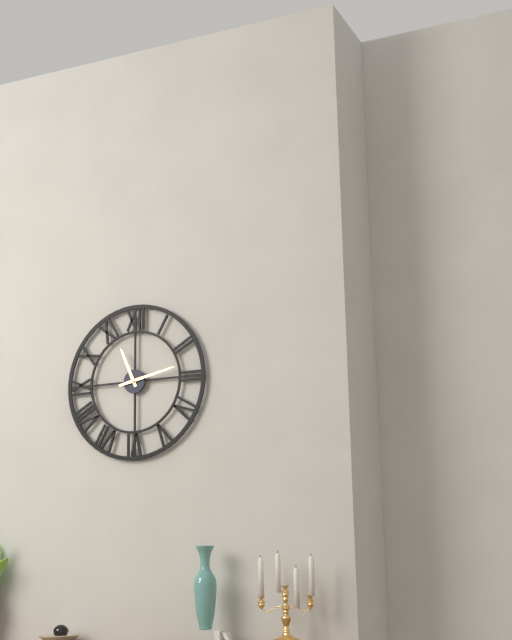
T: 11 h 13 min
